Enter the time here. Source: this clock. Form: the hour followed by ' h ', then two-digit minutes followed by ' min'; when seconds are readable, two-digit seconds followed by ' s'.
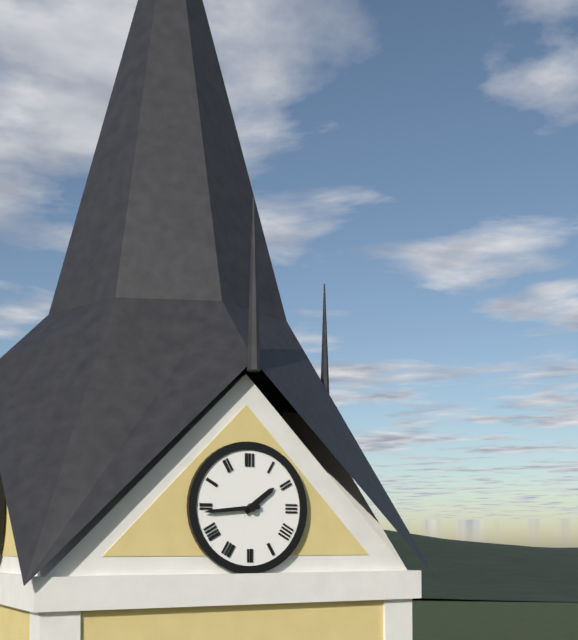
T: 1 h 44 min
